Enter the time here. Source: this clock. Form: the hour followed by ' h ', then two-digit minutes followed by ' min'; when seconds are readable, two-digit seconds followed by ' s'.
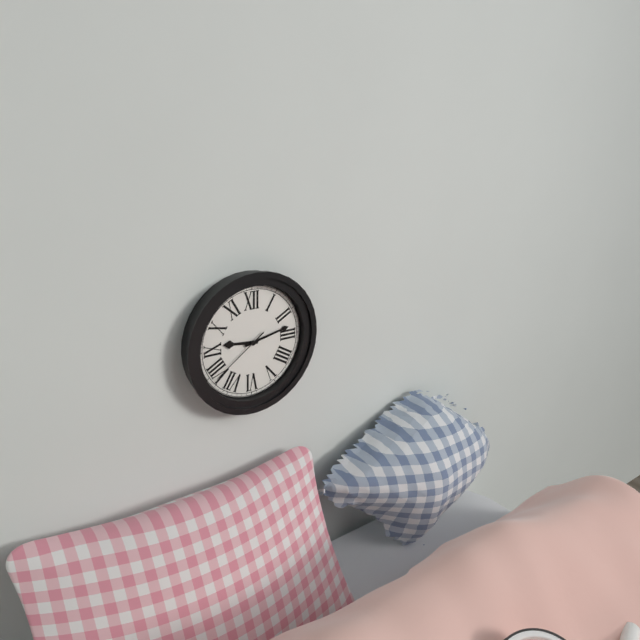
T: 9 h 13 min 39 s
